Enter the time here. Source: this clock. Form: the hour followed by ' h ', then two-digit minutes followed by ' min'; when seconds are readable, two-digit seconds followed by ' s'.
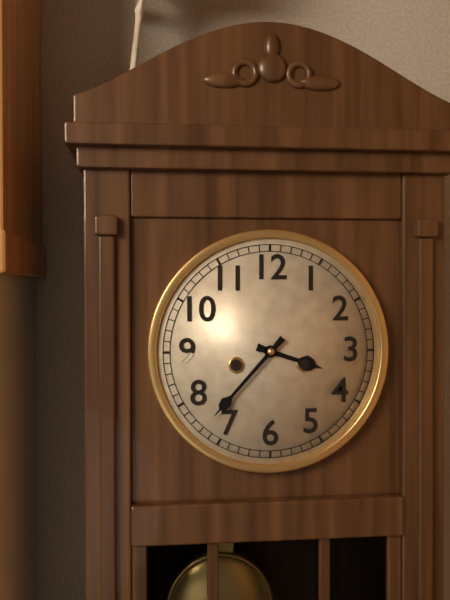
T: 3 h 37 min
